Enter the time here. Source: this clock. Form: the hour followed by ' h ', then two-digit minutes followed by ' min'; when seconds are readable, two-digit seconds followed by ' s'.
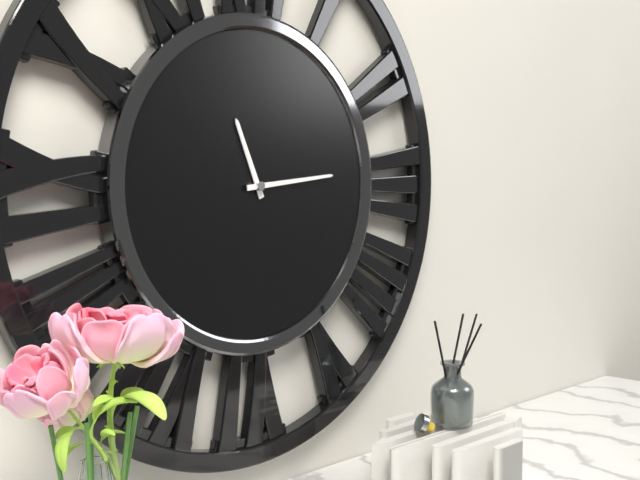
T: 11 h 14 min
